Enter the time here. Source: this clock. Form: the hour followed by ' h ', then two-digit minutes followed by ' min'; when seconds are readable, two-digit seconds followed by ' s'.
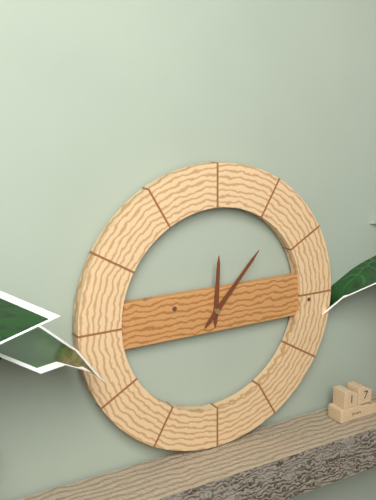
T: 12 h 07 min
